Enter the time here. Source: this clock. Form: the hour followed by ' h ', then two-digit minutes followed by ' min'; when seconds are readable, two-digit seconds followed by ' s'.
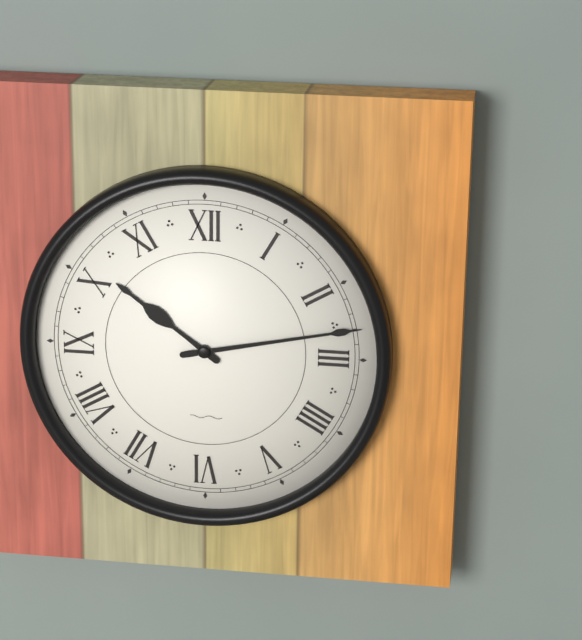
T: 10 h 13 min
